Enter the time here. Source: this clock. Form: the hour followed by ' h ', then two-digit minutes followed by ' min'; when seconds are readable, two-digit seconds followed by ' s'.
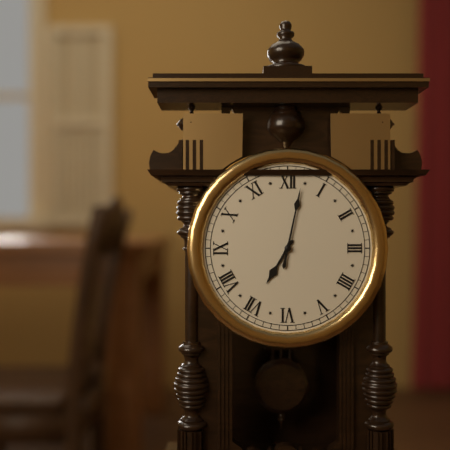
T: 7 h 02 min
